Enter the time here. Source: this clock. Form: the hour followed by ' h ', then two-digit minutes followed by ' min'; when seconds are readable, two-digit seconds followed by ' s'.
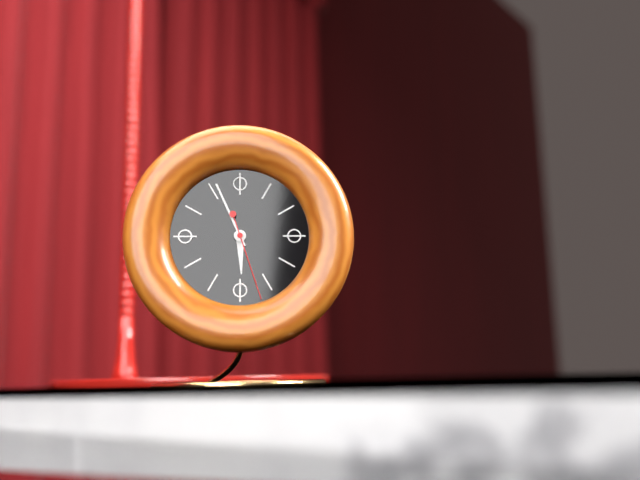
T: 5 h 56 min 27 s
